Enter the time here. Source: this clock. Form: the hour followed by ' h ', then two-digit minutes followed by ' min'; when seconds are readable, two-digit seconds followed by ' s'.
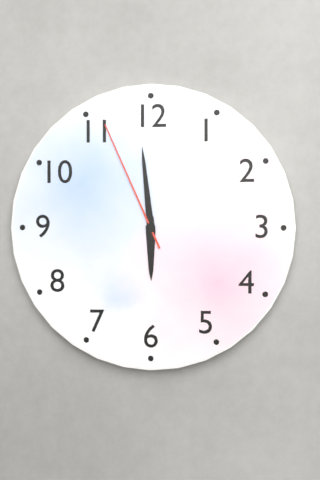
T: 5 h 59 min 56 s
